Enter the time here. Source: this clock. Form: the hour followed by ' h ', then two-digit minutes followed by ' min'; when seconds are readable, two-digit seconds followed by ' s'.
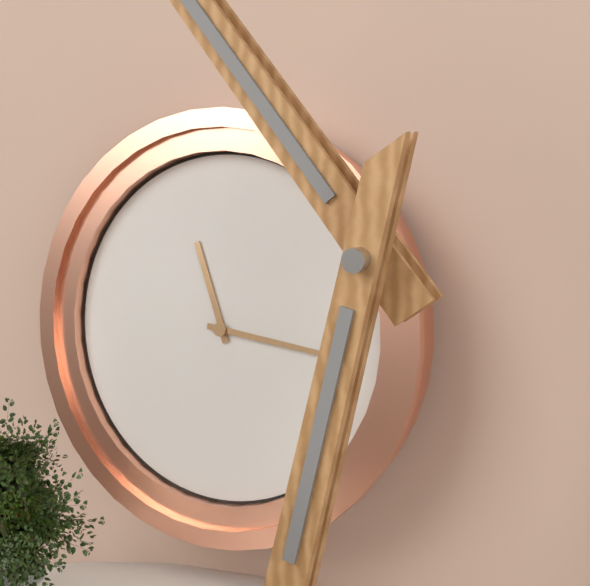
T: 11 h 16 min
